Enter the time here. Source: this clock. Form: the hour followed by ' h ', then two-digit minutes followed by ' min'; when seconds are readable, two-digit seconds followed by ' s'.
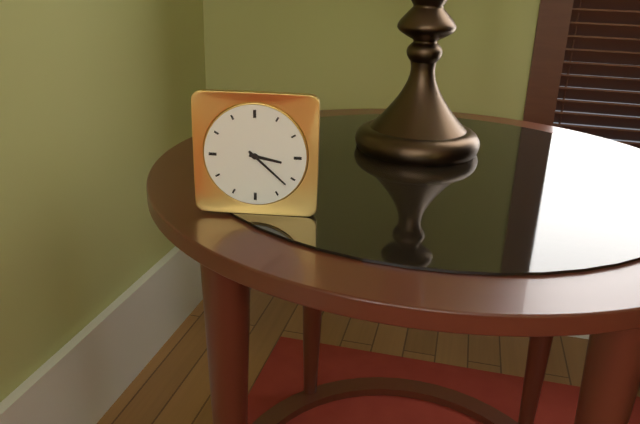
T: 3 h 22 min
